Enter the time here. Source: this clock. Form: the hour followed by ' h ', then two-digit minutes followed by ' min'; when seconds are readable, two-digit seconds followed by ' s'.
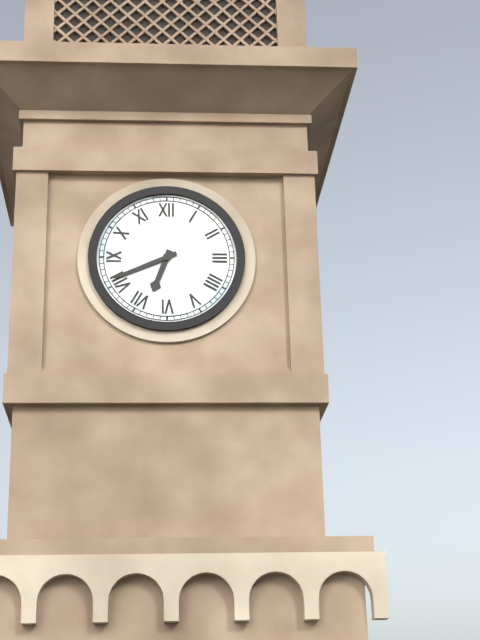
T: 6 h 41 min
